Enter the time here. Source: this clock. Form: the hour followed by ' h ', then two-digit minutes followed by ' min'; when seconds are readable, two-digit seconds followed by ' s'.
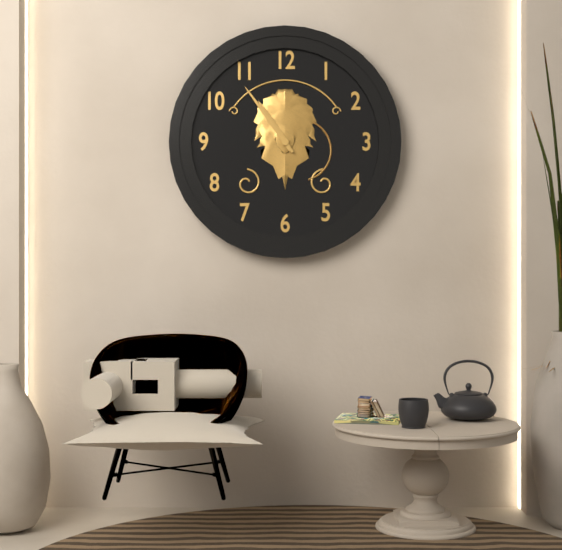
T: 10 h 54 min
